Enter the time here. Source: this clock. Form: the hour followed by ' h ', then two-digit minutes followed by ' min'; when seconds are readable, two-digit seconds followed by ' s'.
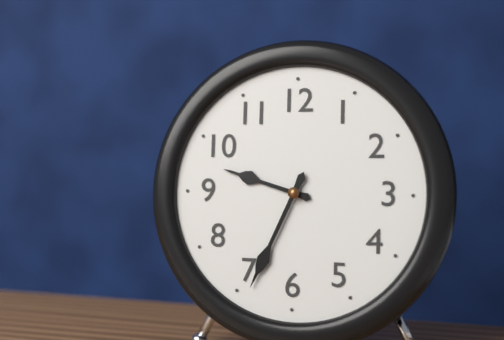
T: 9 h 34 min
